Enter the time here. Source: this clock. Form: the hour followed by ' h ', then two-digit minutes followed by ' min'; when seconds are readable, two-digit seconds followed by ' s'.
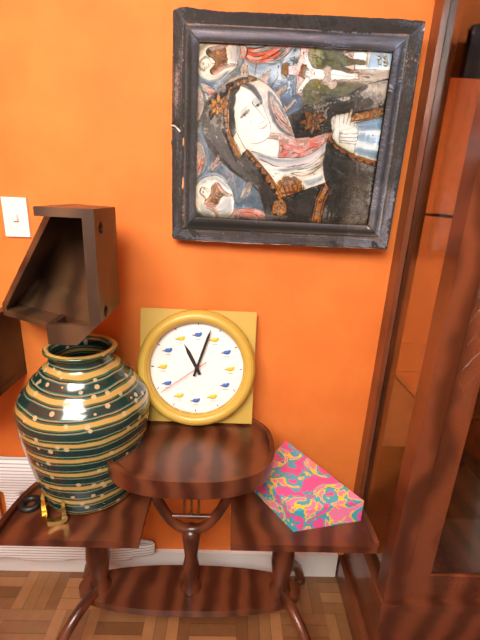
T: 11 h 03 min 39 s
